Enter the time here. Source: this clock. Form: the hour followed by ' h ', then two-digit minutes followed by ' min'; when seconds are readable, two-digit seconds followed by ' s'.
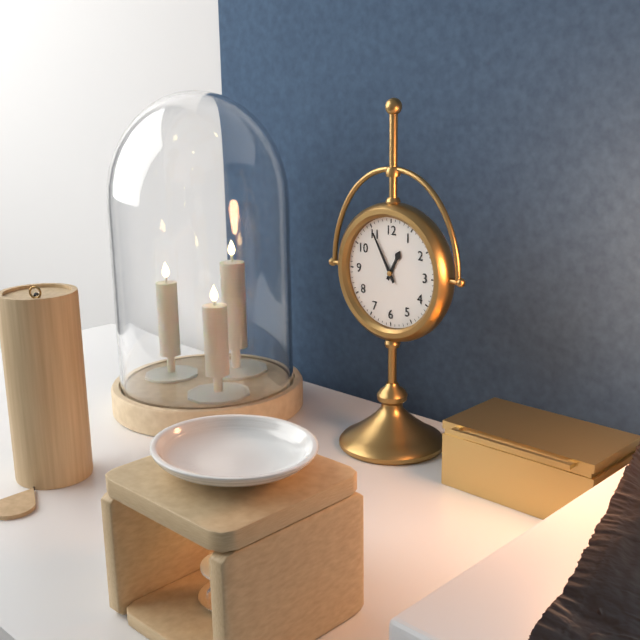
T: 12 h 55 min
